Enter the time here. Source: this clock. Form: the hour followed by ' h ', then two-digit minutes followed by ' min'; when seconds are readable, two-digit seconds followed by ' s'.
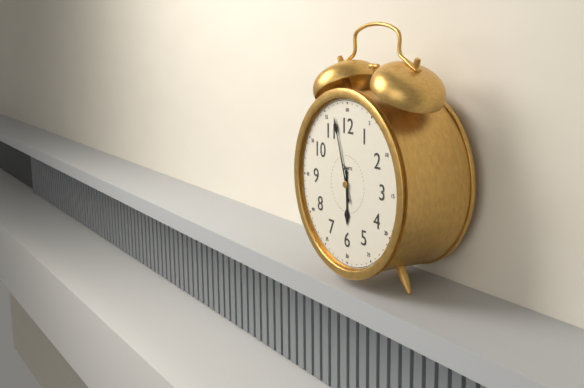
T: 5 h 57 min
